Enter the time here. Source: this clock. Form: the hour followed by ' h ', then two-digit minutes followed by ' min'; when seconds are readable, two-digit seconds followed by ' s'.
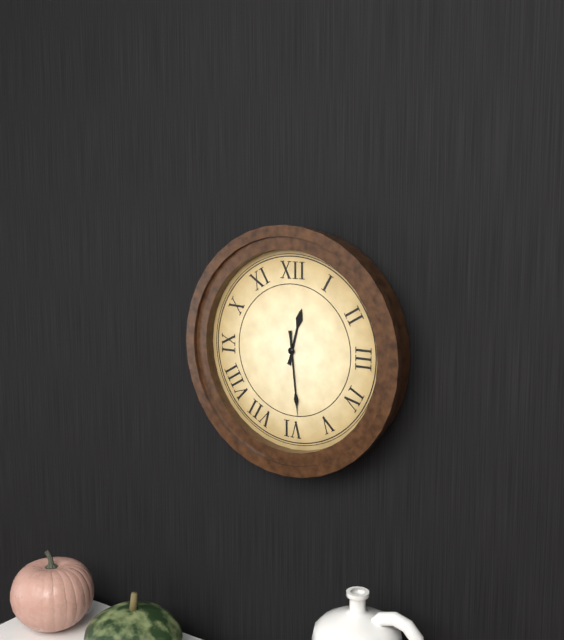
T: 12 h 29 min
